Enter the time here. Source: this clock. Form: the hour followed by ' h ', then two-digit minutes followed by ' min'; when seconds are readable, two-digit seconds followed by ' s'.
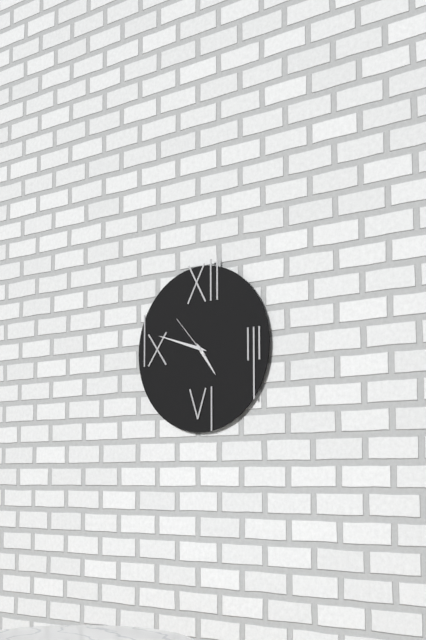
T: 4 h 48 min
